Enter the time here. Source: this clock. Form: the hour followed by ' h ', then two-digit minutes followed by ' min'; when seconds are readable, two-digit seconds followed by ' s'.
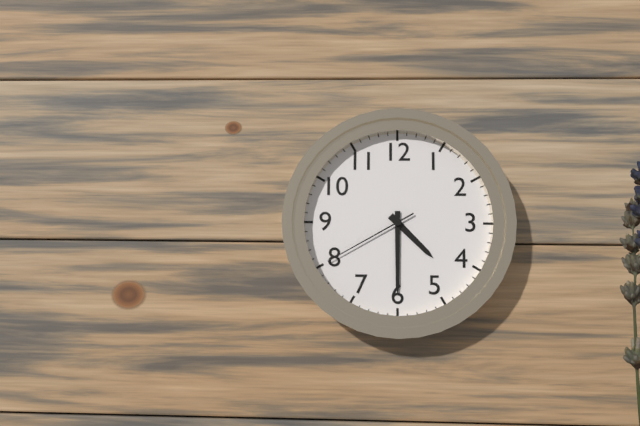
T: 4 h 30 min 40 s
